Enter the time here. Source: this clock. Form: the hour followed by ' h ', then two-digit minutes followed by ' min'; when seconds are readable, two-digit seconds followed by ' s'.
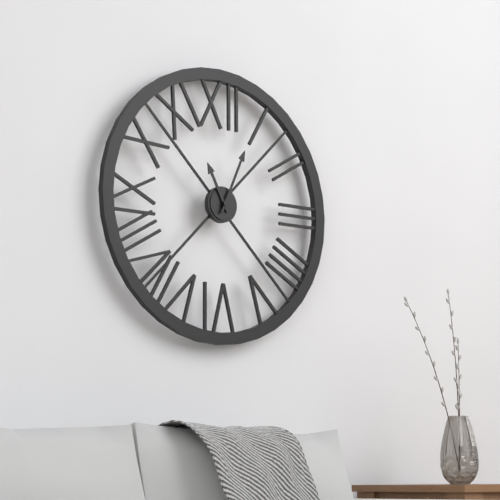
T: 11 h 04 min
